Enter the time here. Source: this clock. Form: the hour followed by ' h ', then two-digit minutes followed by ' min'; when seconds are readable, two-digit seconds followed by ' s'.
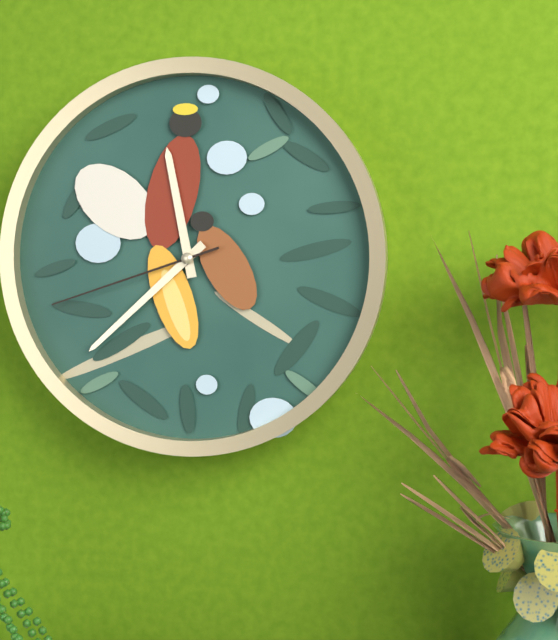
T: 11 h 38 min 42 s
